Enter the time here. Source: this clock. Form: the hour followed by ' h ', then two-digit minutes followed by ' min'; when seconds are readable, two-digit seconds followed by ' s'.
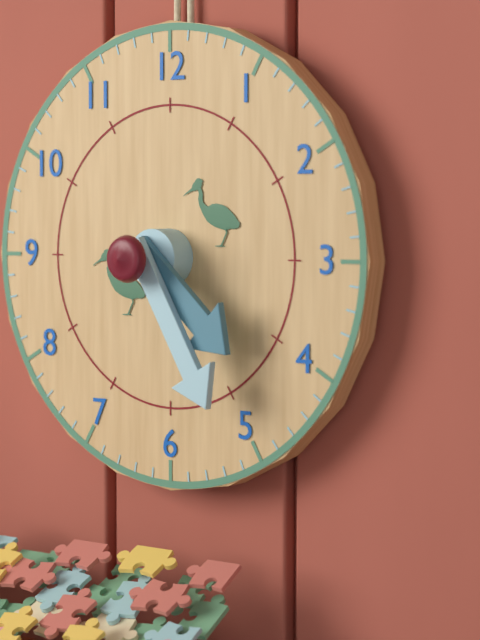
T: 4 h 25 min
